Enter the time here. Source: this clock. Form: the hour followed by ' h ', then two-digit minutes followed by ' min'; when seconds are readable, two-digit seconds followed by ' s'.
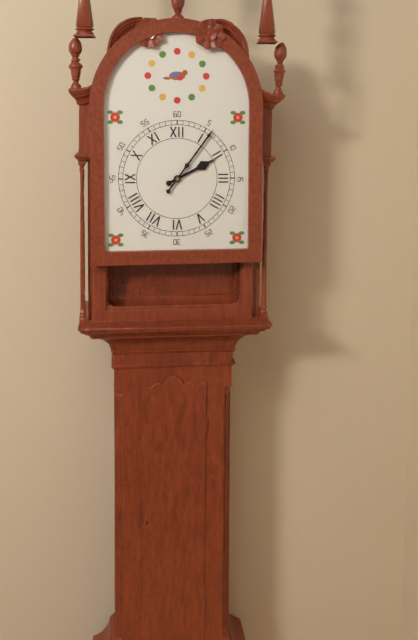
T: 2 h 06 min
